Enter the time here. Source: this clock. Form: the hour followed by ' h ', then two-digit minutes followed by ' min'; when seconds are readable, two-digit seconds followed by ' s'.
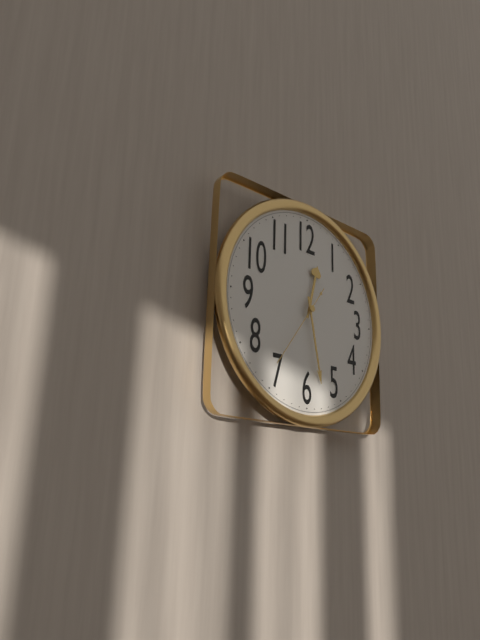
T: 12 h 28 min 36 s
